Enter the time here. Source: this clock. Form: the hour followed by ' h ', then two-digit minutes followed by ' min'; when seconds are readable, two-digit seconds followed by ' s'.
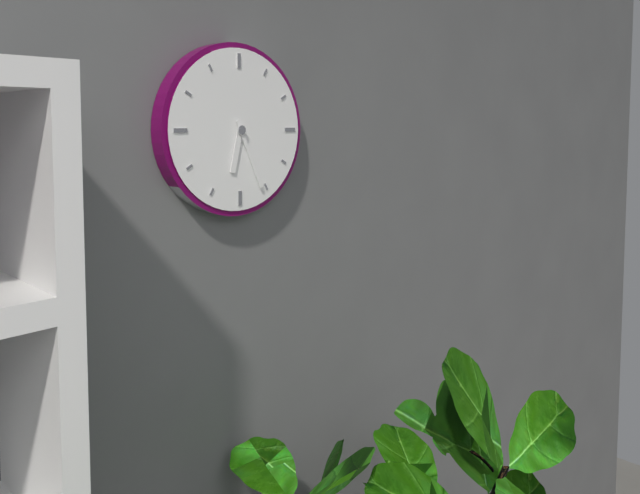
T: 6 h 26 min
